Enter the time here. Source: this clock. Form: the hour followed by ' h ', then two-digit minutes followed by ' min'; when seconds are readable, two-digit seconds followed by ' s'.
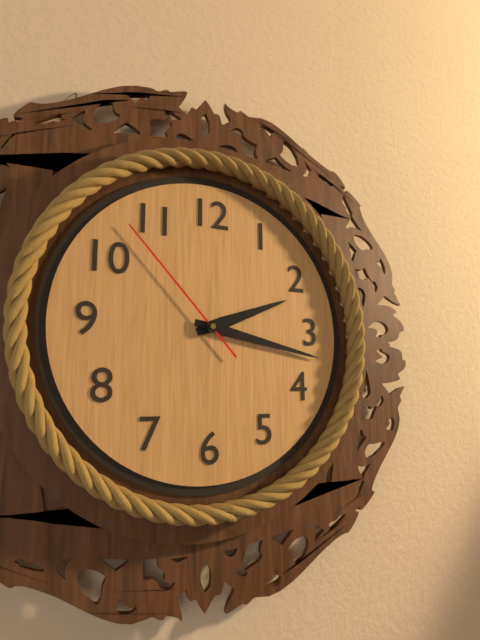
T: 2 h 17 min 53 s
